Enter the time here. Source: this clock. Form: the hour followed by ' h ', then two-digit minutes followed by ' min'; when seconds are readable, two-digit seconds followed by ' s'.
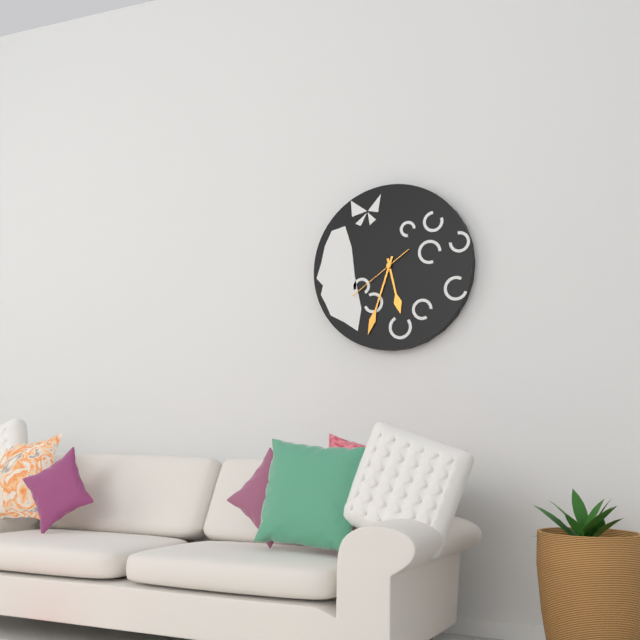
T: 5 h 33 min 39 s
